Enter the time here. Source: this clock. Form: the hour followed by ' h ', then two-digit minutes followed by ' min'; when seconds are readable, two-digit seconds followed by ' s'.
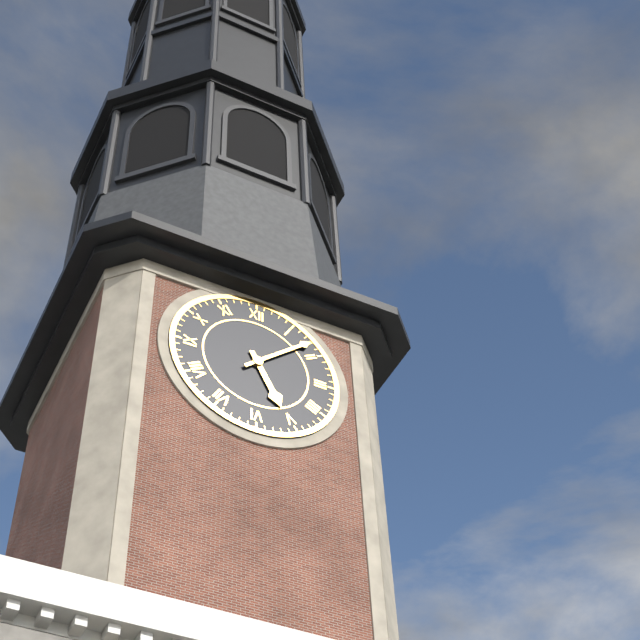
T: 5 h 08 min
